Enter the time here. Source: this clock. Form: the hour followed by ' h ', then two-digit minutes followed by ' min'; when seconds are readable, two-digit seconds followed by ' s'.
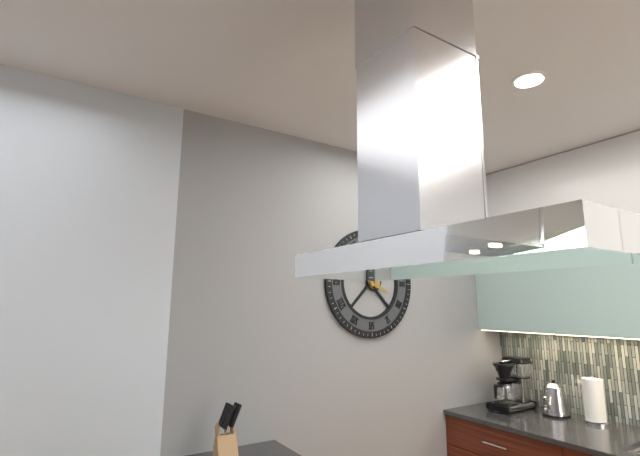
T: 3 h 49 min
